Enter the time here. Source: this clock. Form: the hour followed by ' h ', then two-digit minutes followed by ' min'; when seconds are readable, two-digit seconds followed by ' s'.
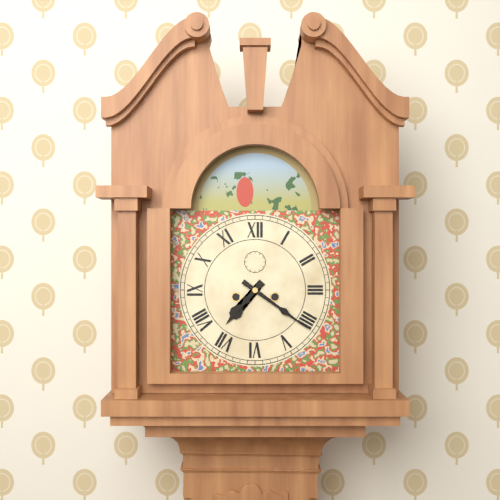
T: 7 h 21 min
